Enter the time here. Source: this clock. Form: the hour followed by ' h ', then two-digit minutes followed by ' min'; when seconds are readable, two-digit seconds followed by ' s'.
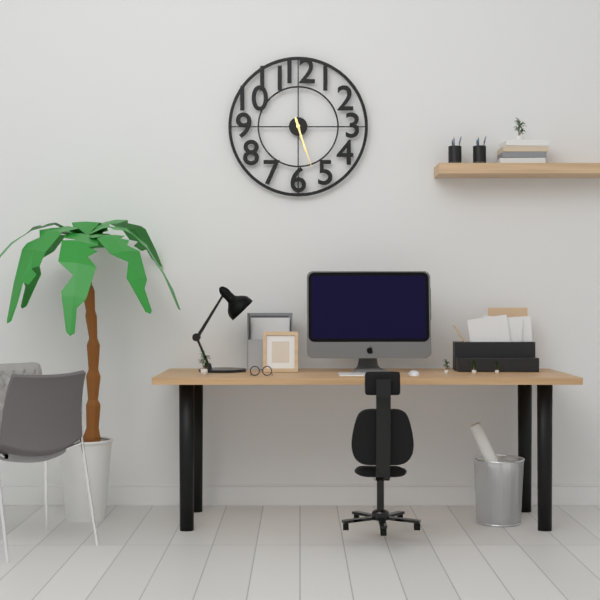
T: 5 h 27 min
